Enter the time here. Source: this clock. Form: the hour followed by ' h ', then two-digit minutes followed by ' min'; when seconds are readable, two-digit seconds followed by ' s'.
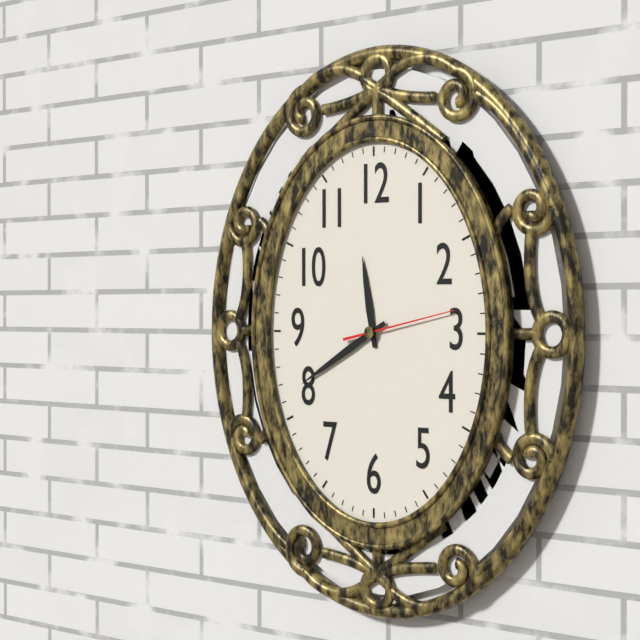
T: 11 h 40 min 13 s
